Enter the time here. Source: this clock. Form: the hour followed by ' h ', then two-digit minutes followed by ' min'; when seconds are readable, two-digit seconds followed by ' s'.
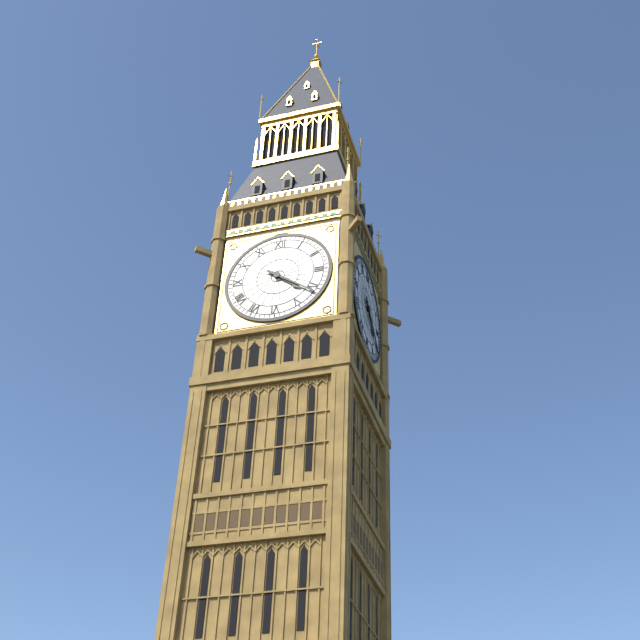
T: 4 h 21 min
